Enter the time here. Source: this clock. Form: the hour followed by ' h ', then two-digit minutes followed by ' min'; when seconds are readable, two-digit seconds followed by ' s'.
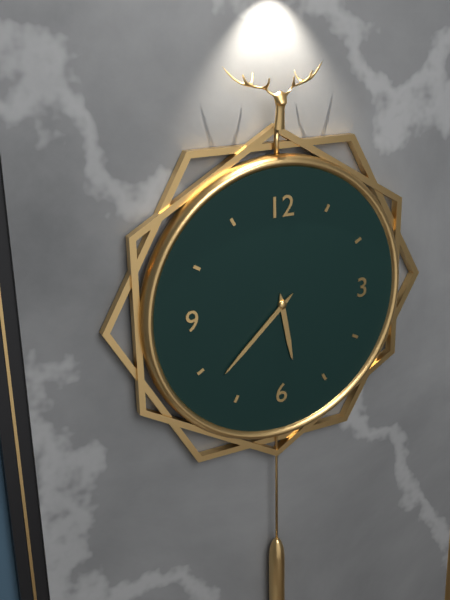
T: 5 h 38 min
